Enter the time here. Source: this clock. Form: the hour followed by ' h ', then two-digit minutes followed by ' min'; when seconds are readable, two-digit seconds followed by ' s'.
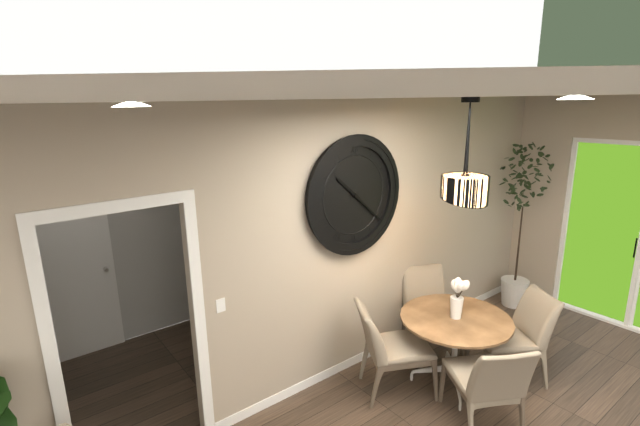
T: 10 h 22 min
